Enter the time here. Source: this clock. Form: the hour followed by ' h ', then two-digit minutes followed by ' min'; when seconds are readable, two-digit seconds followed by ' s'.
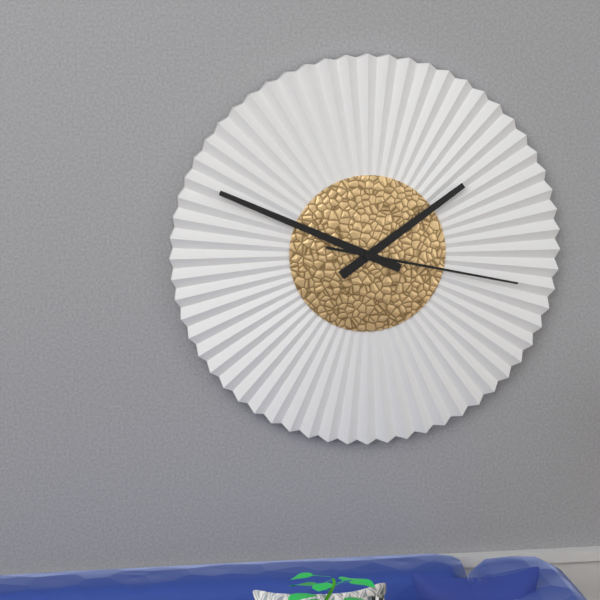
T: 1 h 49 min 17 s
